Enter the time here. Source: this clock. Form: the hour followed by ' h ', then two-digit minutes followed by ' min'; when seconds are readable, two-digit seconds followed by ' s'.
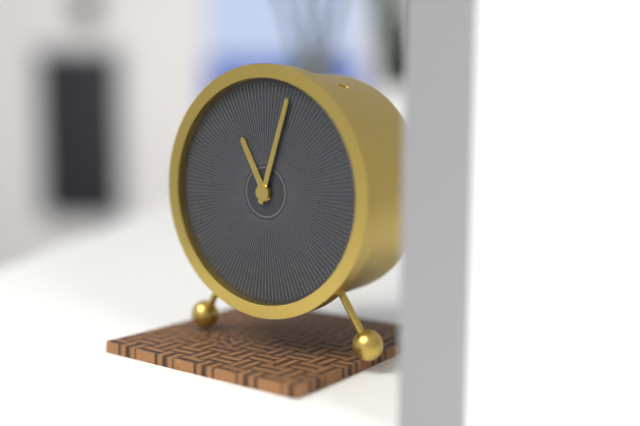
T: 11 h 03 min
